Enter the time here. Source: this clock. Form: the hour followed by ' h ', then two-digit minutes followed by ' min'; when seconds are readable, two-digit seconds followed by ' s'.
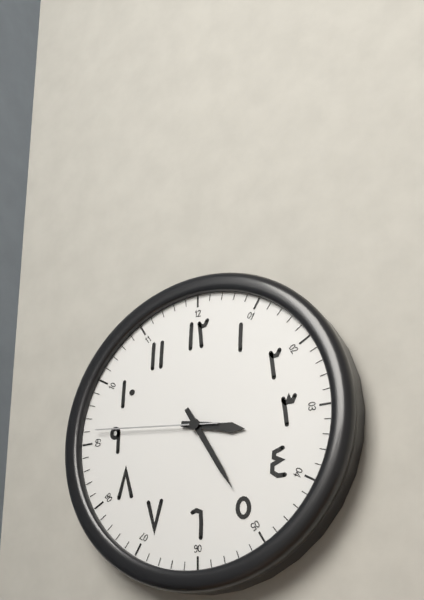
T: 3 h 25 min 46 s
